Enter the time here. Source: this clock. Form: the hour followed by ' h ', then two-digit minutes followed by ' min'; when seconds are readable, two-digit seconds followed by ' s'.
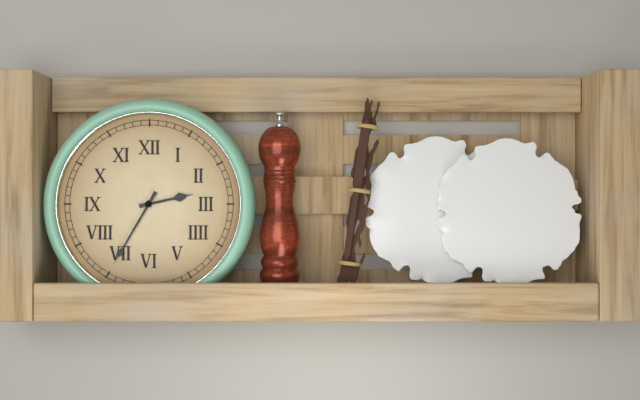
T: 2 h 35 min
